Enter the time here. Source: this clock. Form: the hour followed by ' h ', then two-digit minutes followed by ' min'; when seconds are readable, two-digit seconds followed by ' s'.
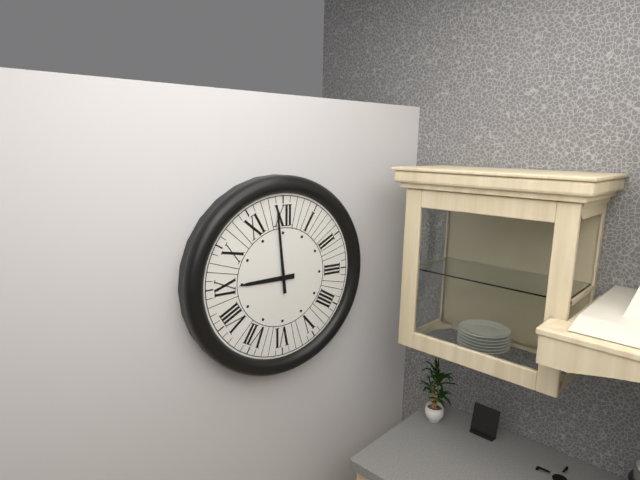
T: 8 h 59 min
